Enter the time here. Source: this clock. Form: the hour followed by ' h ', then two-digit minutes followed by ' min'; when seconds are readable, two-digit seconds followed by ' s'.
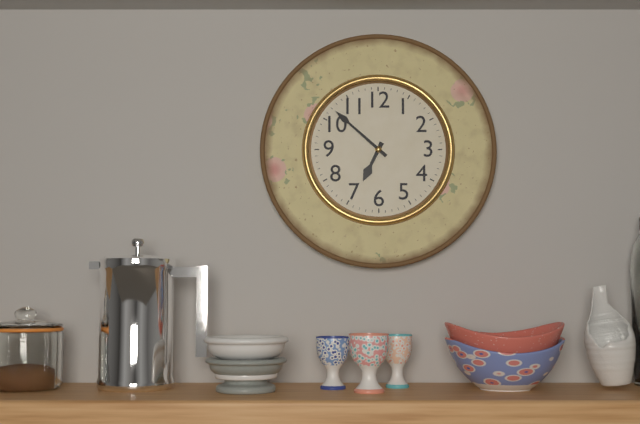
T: 6 h 52 min
